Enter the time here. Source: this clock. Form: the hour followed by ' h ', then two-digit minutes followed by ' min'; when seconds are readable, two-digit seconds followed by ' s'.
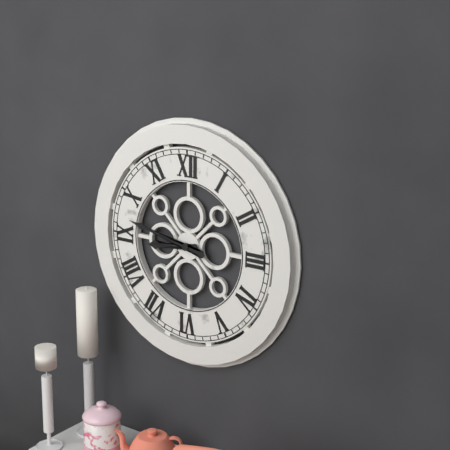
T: 8 h 47 min
